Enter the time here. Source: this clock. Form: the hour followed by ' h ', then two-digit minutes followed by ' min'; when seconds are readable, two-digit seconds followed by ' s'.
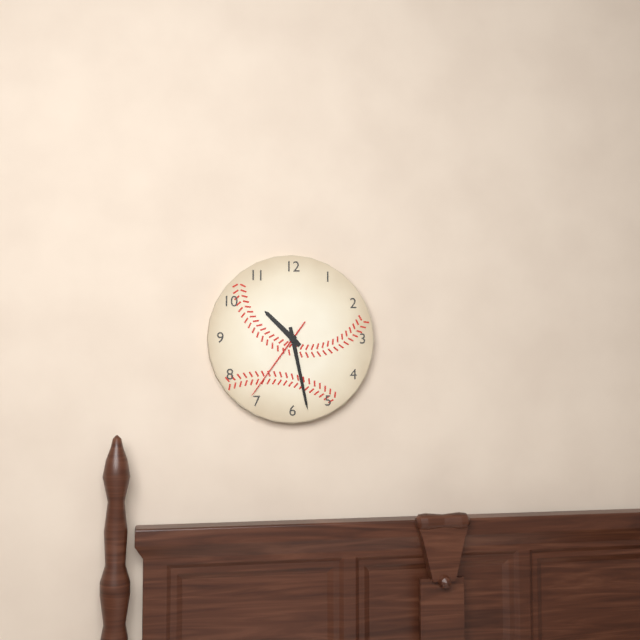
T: 10 h 28 min 36 s
